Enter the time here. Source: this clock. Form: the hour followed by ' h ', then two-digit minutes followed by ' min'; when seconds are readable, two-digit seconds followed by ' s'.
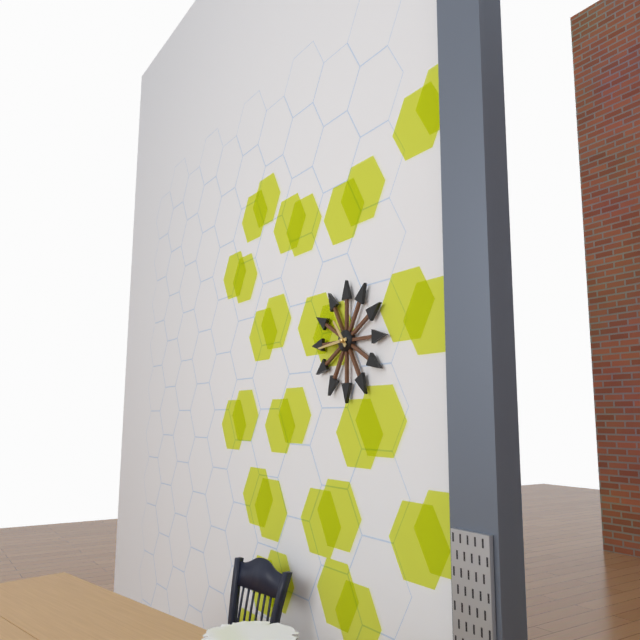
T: 10 h 44 min
